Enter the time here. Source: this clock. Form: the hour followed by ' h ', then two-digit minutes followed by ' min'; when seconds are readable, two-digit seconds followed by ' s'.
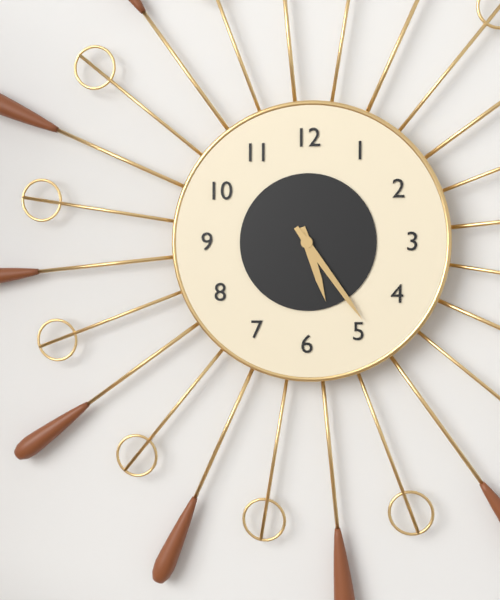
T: 5 h 24 min
